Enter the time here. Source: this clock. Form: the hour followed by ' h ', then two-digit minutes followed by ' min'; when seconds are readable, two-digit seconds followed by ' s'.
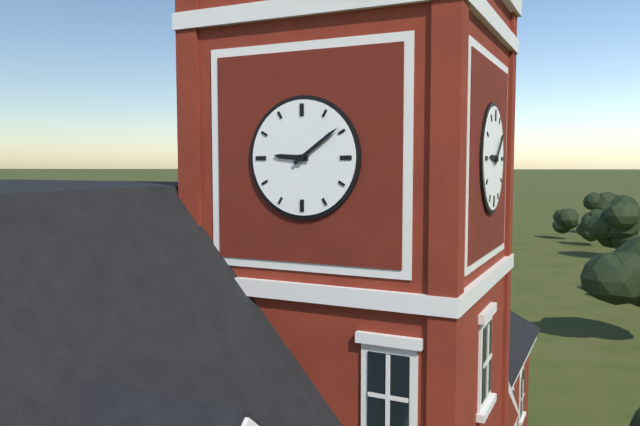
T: 9 h 09 min
